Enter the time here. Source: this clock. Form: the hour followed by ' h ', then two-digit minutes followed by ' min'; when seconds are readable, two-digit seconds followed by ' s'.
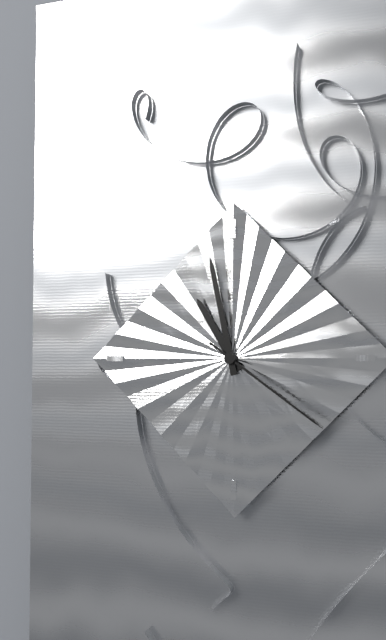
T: 10 h 58 min 21 s
